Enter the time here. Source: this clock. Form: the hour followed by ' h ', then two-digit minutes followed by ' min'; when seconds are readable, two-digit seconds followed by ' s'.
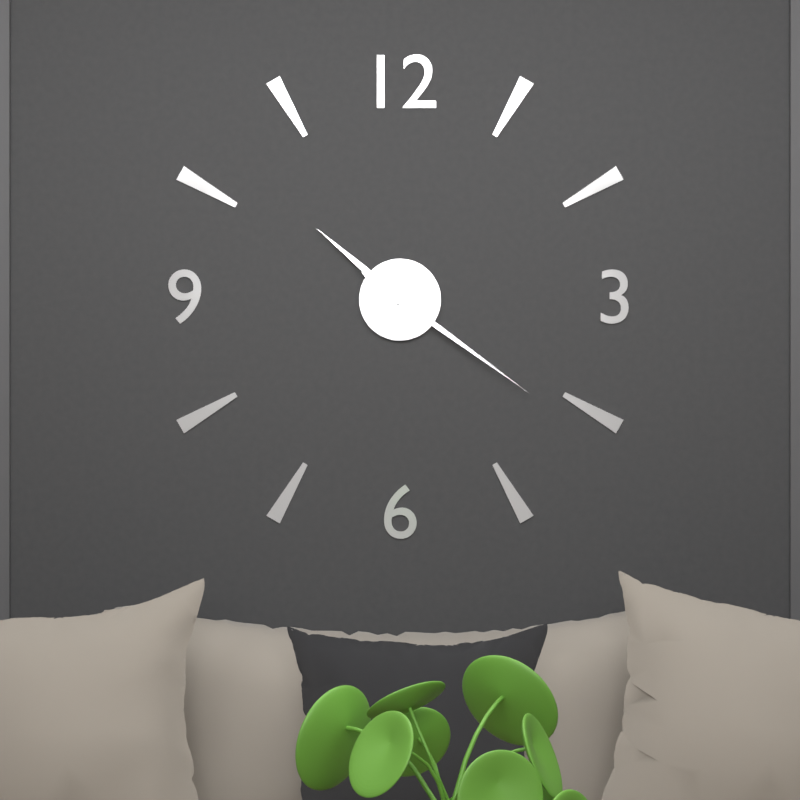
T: 10 h 21 min
